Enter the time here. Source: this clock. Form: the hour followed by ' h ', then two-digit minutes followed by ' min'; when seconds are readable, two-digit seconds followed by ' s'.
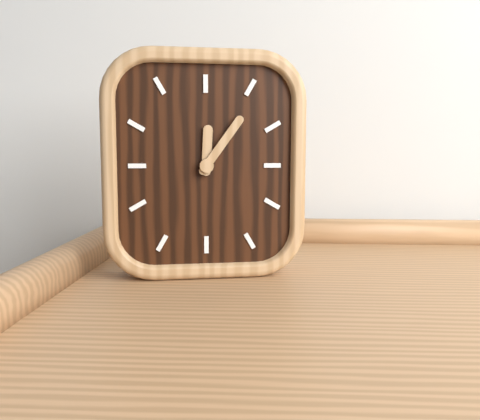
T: 12 h 06 min
